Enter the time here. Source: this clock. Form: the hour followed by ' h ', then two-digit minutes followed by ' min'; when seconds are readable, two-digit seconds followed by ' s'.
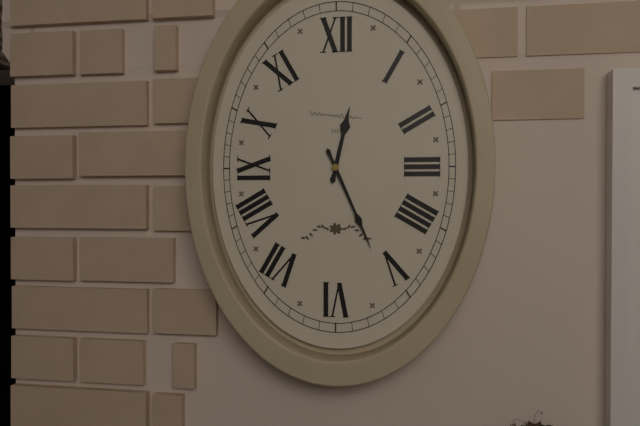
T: 12 h 26 min
